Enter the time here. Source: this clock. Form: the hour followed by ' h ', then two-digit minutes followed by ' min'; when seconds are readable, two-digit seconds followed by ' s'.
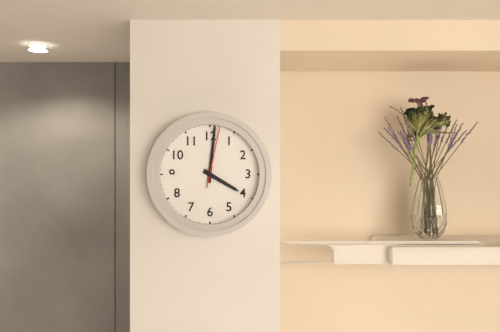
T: 4 h 01 min 02 s
